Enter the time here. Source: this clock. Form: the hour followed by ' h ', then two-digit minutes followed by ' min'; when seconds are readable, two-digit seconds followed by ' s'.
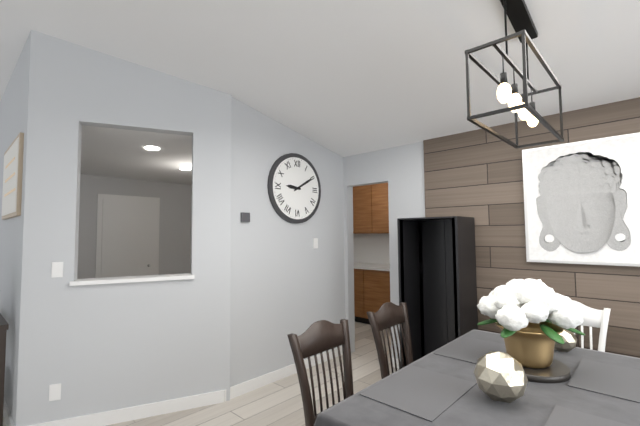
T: 9 h 10 min
